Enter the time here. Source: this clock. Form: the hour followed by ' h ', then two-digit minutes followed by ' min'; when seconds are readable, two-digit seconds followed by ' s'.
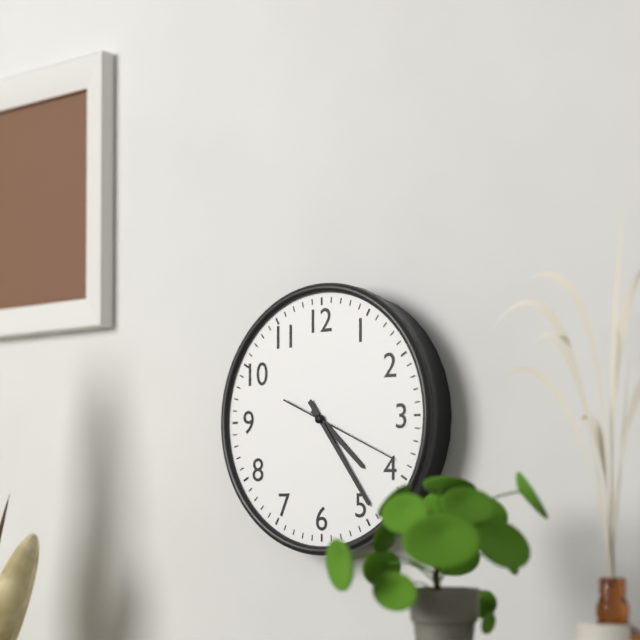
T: 4 h 24 min 19 s
